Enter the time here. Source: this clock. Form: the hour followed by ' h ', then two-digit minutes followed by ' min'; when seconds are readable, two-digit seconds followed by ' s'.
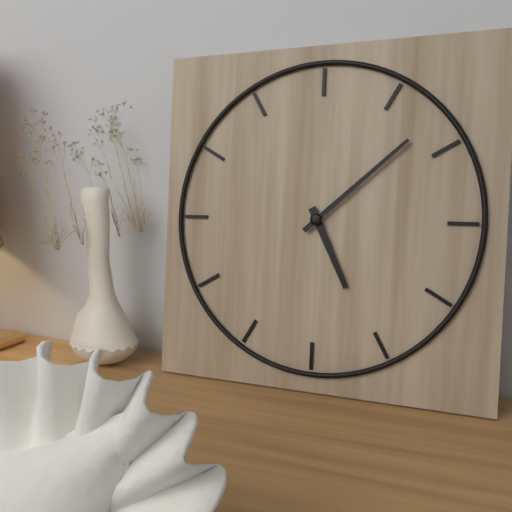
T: 5 h 08 min
